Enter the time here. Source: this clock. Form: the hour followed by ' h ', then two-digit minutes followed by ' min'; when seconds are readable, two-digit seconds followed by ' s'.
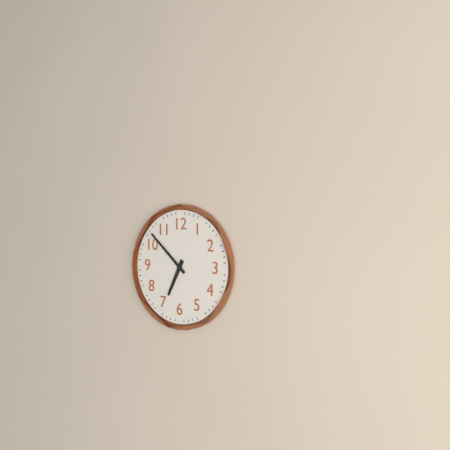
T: 6 h 52 min
